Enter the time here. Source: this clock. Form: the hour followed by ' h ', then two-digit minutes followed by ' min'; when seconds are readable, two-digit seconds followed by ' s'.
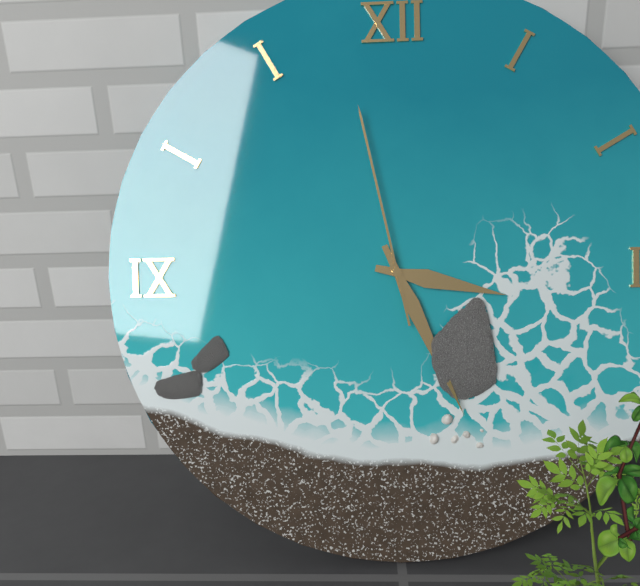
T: 3 h 26 min 58 s
